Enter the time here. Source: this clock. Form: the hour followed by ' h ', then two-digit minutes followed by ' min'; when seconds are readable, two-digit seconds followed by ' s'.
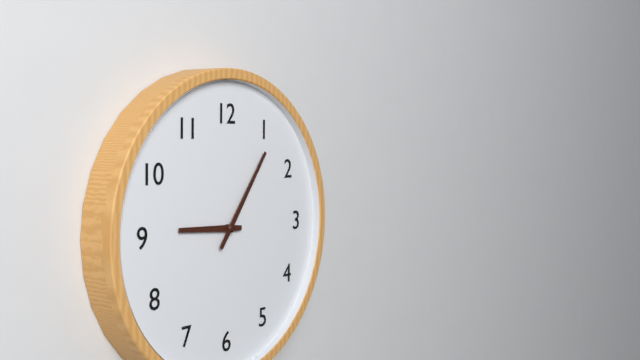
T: 9 h 06 min
